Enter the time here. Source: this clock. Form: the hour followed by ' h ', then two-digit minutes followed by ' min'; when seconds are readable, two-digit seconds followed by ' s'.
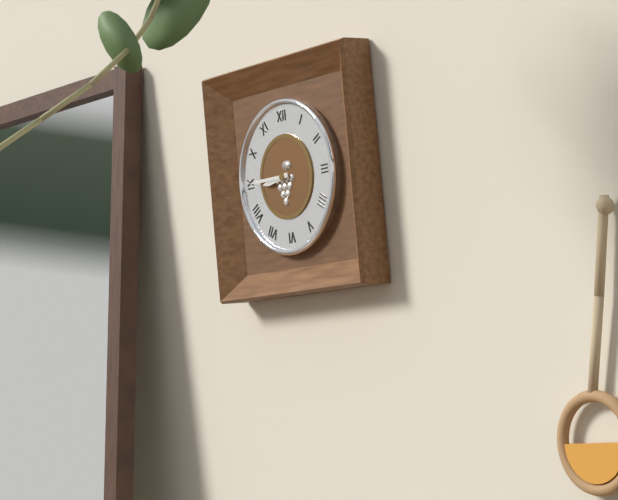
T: 8 h 45 min
